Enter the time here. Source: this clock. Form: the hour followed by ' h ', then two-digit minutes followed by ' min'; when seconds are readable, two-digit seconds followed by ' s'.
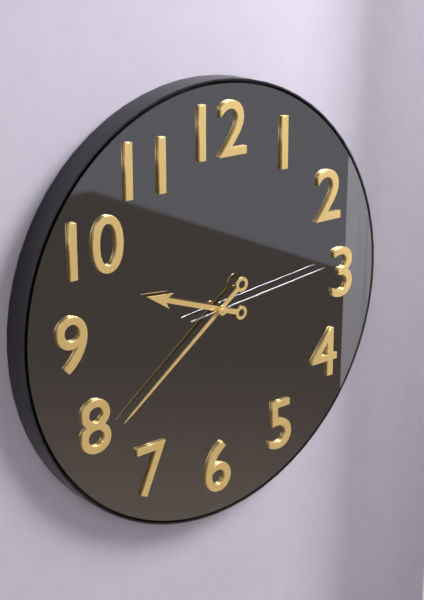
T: 9 h 39 min 14 s
